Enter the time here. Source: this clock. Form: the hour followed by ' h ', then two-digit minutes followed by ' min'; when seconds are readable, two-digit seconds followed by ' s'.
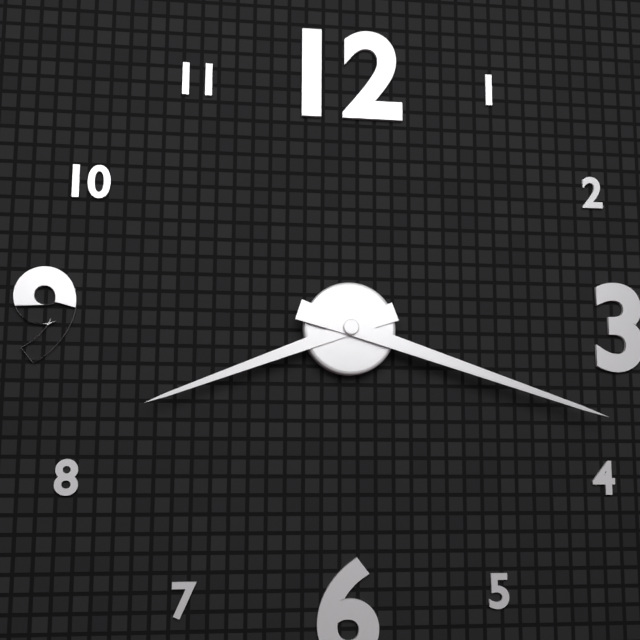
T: 8 h 18 min
